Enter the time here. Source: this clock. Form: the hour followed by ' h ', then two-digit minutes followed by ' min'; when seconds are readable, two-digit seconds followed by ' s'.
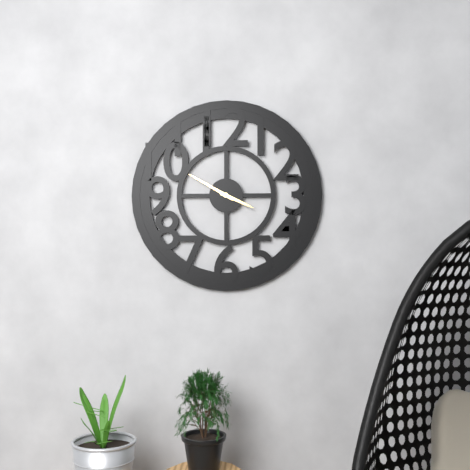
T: 3 h 50 min
